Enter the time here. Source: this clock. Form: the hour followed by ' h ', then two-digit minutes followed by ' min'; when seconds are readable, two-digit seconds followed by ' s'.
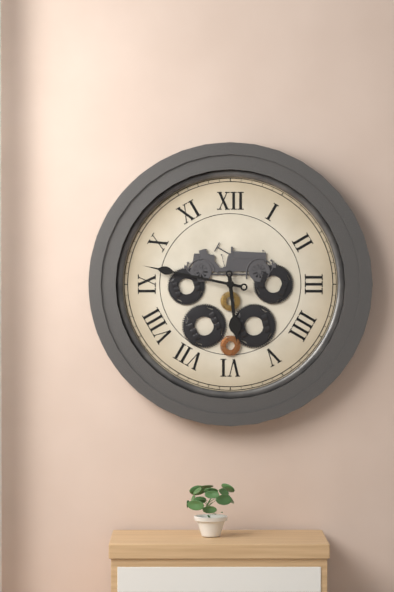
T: 5 h 47 min
